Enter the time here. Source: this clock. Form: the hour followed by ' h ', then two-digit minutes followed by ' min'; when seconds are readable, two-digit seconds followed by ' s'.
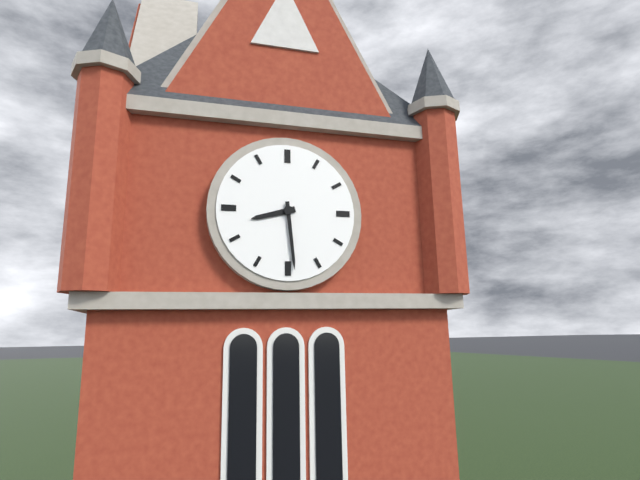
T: 8 h 29 min
